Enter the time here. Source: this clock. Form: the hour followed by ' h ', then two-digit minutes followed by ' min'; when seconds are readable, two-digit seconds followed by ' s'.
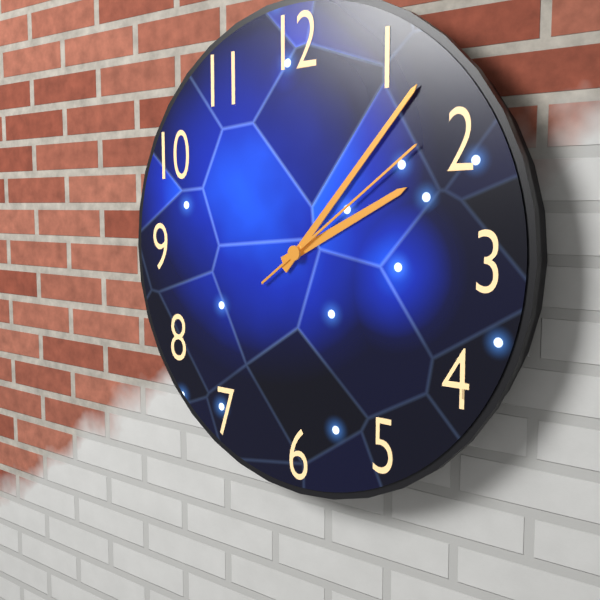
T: 2 h 07 min 09 s
